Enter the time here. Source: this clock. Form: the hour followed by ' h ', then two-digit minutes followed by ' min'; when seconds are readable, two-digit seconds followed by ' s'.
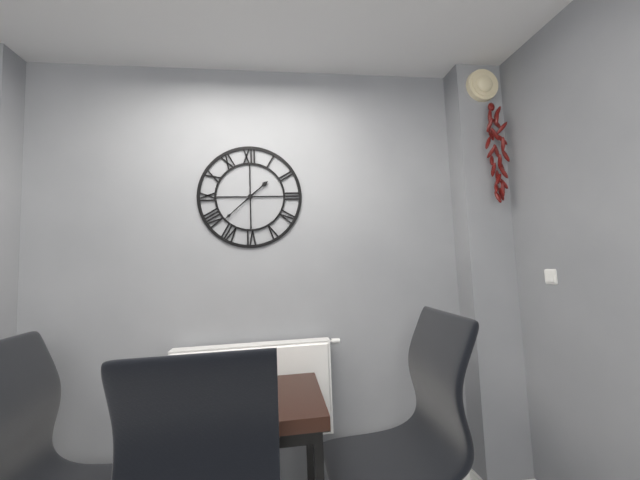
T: 1 h 38 min
